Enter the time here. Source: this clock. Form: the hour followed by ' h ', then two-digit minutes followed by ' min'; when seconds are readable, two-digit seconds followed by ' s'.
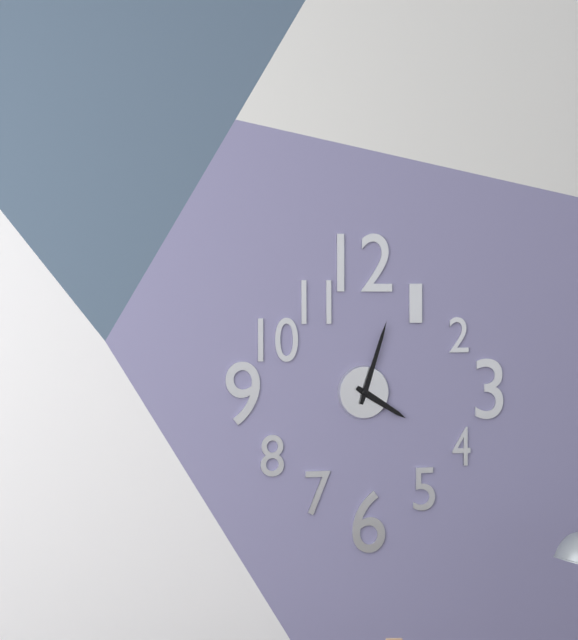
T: 4 h 03 min
